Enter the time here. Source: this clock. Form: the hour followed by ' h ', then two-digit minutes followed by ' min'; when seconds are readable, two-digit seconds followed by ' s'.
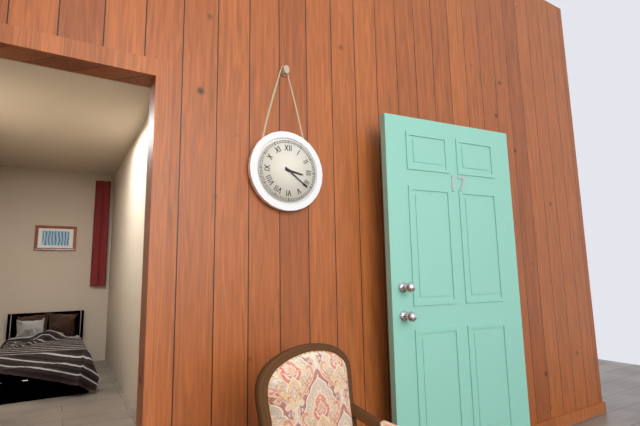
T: 3 h 21 min
